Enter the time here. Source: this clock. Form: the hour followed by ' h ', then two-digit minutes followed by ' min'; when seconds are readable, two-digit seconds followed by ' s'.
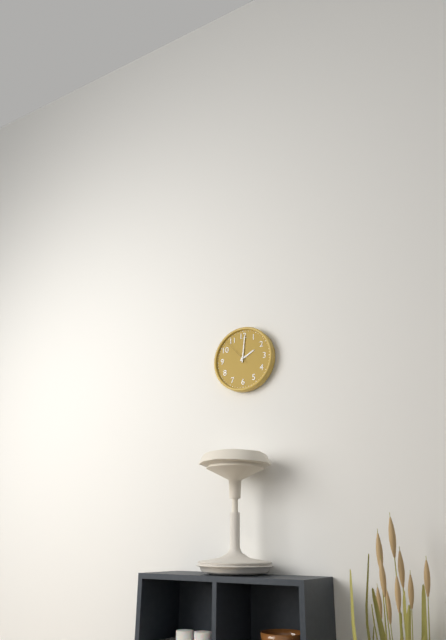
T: 2 h 01 min
